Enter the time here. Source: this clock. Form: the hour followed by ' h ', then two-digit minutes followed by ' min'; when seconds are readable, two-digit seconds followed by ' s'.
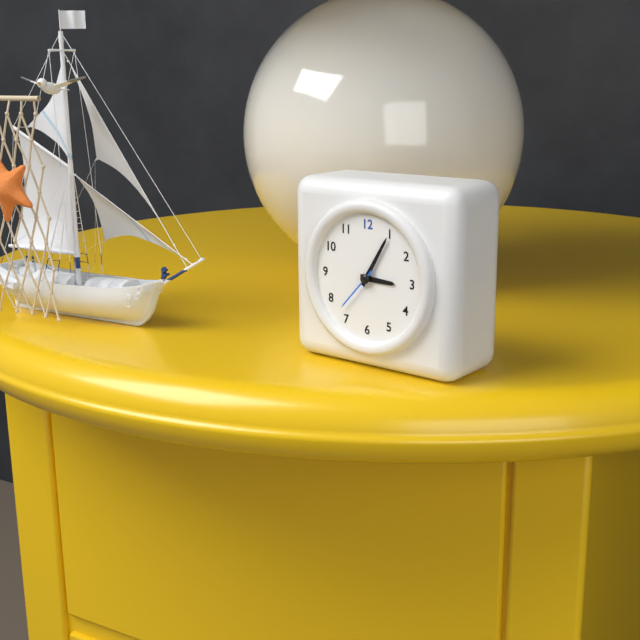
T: 3 h 05 min
